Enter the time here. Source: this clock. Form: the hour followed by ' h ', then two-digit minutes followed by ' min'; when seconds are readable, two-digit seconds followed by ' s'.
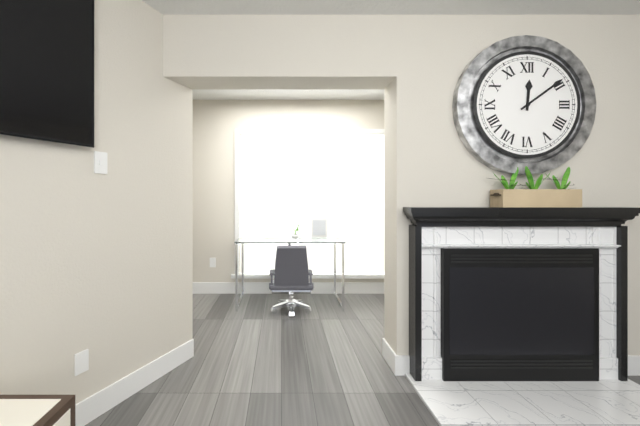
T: 12 h 09 min
